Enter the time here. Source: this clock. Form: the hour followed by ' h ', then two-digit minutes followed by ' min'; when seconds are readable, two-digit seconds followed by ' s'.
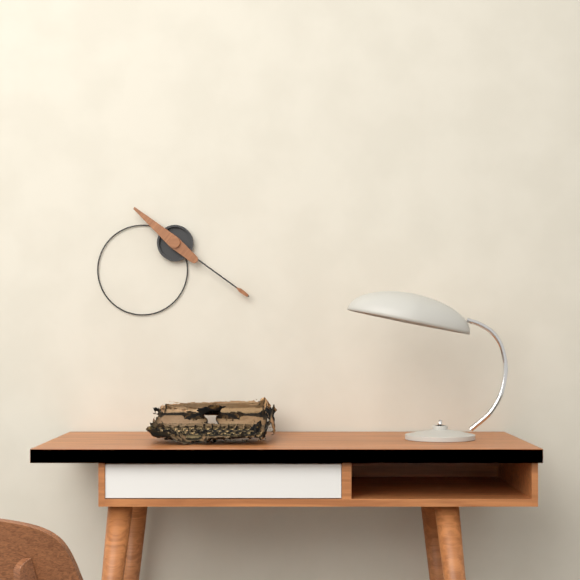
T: 10 h 21 min
